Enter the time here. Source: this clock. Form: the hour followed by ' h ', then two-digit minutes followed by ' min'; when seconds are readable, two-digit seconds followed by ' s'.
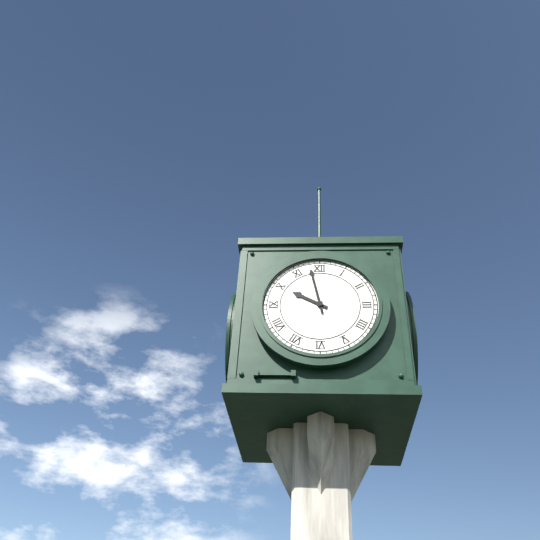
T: 9 h 58 min
